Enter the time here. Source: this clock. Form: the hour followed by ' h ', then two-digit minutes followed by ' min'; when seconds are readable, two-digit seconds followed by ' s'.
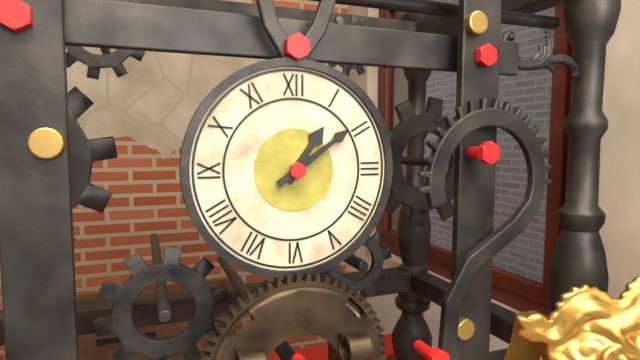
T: 1 h 09 min
